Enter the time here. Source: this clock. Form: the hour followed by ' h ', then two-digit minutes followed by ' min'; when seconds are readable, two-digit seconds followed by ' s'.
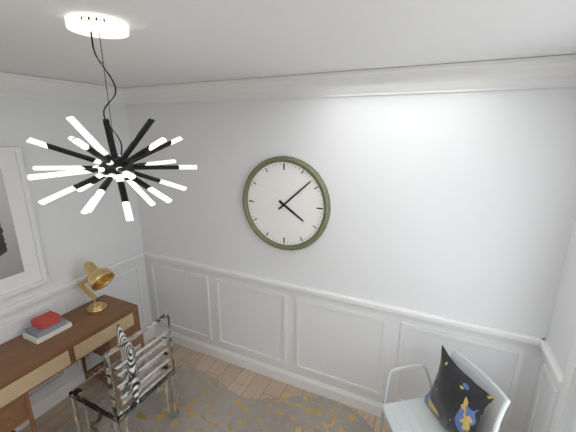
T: 4 h 08 min
